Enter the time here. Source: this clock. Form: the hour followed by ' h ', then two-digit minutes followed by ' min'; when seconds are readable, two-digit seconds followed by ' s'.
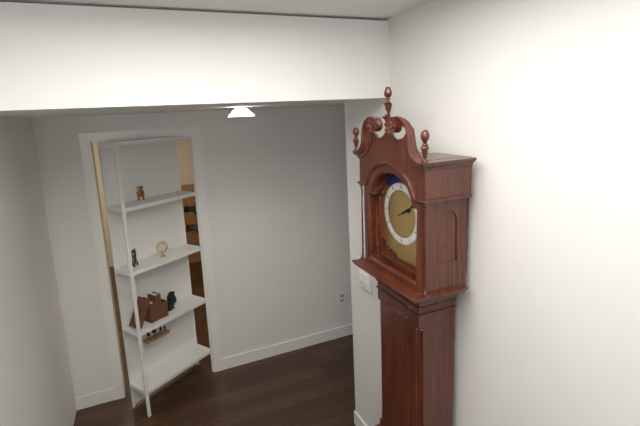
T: 2 h 10 min
